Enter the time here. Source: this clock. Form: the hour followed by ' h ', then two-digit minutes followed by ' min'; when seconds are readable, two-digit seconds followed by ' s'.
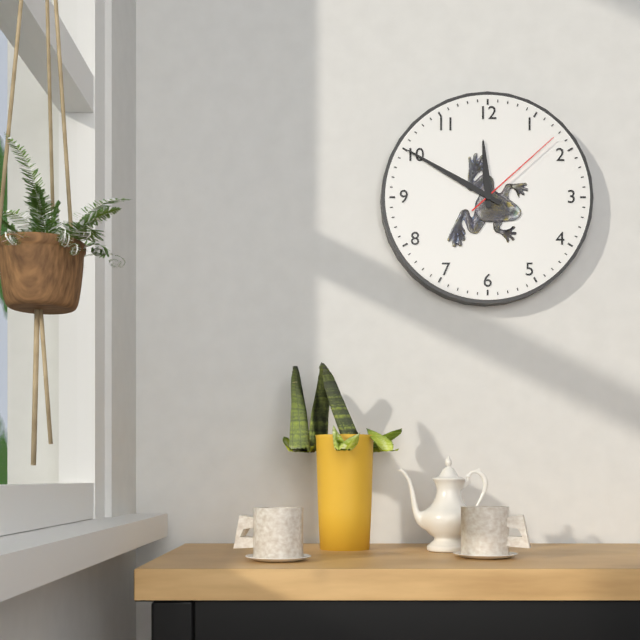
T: 11 h 50 min 08 s
